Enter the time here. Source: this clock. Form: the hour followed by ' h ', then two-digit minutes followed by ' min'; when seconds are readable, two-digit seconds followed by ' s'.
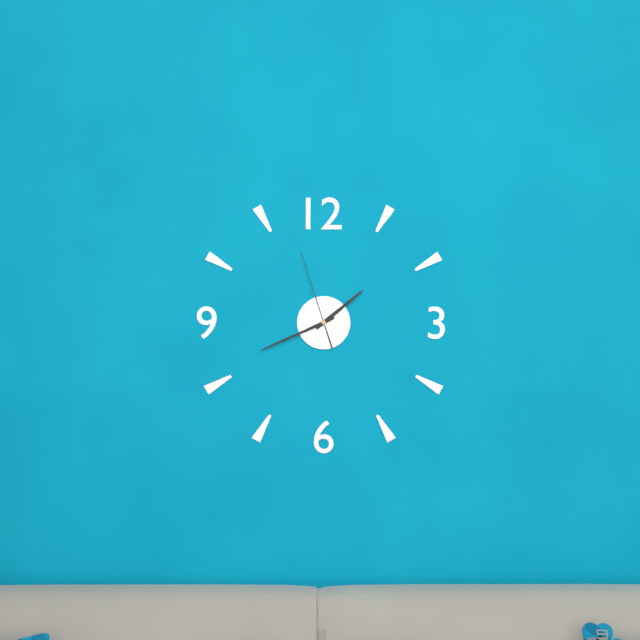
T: 1 h 41 min 57 s
